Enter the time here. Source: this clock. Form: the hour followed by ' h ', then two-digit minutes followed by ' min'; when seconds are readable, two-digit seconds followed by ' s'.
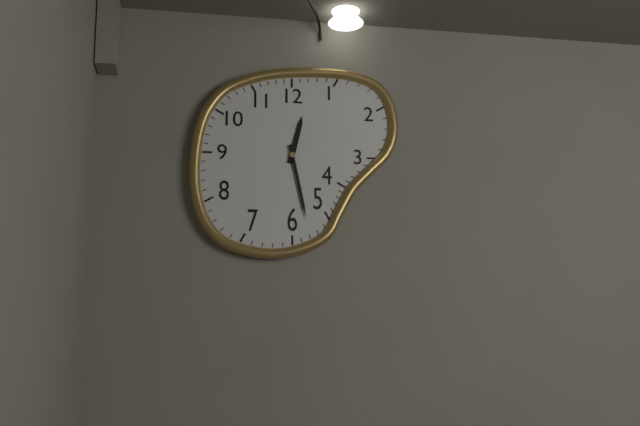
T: 12 h 28 min
